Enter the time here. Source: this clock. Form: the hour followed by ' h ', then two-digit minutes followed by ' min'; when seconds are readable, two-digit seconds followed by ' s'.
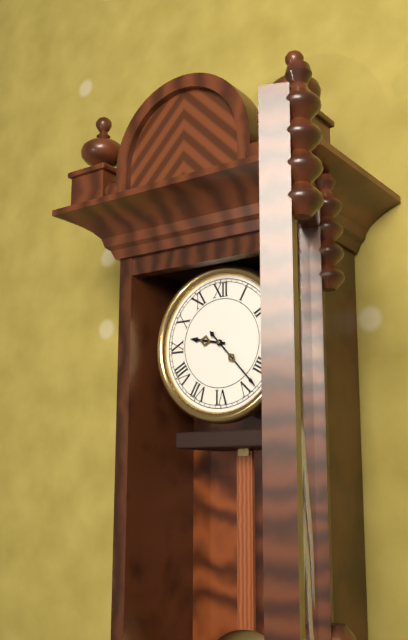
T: 9 h 23 min
